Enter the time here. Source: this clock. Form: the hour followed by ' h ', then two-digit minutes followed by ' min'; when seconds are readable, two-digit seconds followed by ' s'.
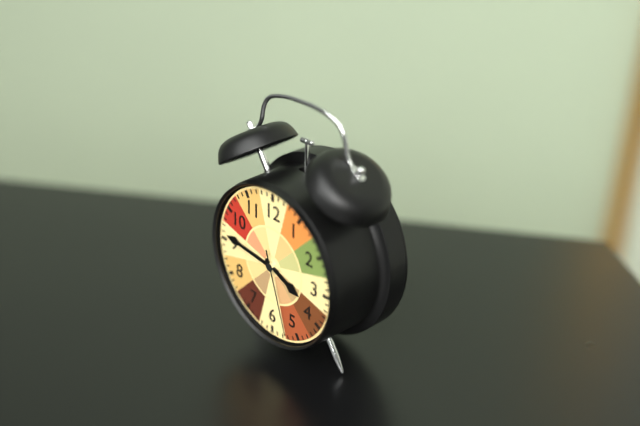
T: 3 h 46 min 27 s
